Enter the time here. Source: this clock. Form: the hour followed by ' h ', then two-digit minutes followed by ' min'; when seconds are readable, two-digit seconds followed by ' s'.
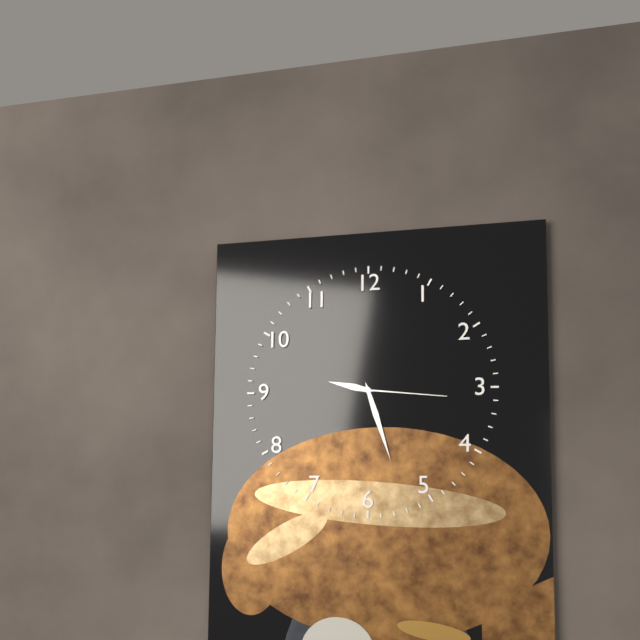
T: 9 h 27 min 16 s
